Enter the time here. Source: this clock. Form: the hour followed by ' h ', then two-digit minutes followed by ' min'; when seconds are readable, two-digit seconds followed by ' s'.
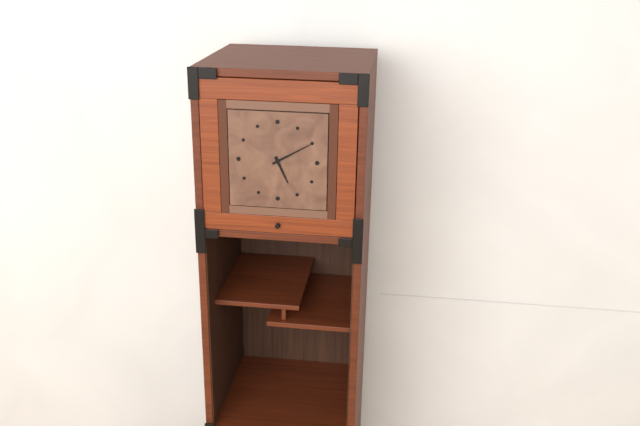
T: 5 h 10 min
